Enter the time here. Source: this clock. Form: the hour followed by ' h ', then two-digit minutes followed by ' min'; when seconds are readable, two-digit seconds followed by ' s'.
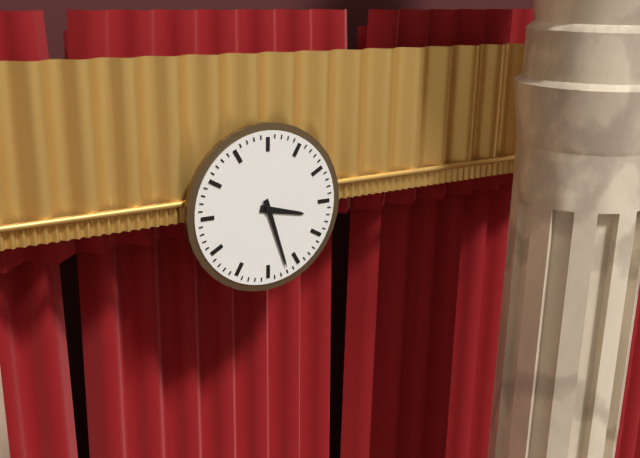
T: 3 h 27 min
